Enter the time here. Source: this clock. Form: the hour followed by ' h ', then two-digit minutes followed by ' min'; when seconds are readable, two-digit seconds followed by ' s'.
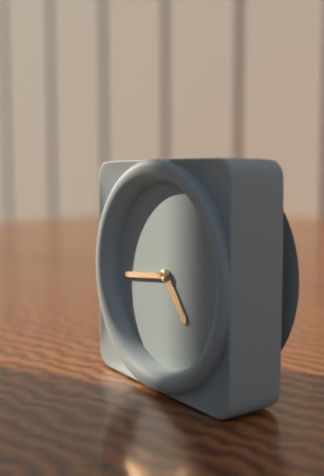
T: 4 h 44 min
